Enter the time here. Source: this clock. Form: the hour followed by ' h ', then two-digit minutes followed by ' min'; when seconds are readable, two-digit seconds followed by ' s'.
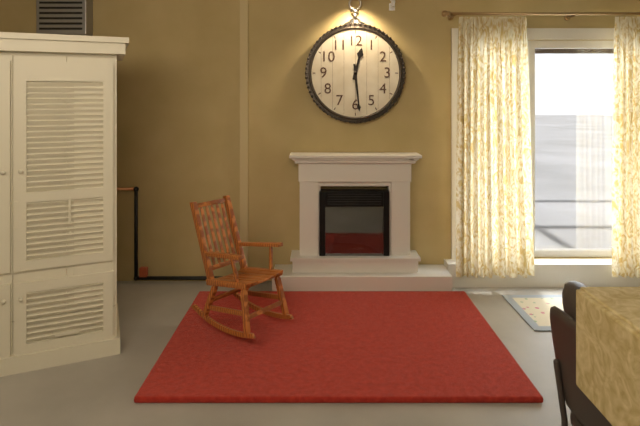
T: 12 h 29 min
